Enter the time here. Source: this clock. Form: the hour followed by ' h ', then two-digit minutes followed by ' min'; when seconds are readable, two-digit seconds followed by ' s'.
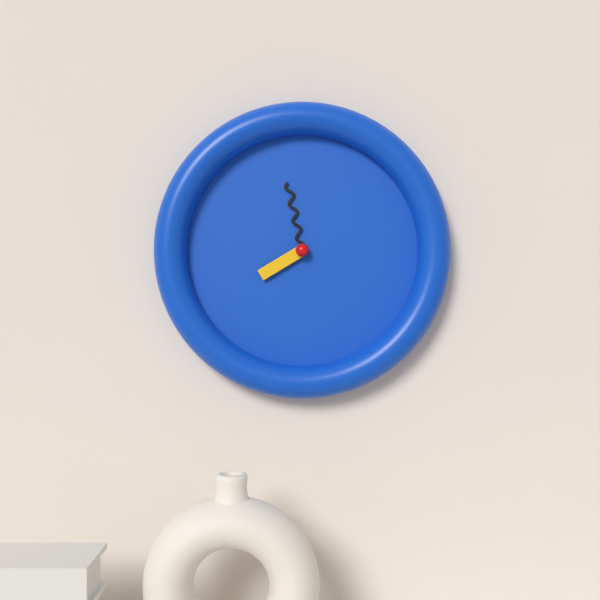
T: 7 h 58 min
